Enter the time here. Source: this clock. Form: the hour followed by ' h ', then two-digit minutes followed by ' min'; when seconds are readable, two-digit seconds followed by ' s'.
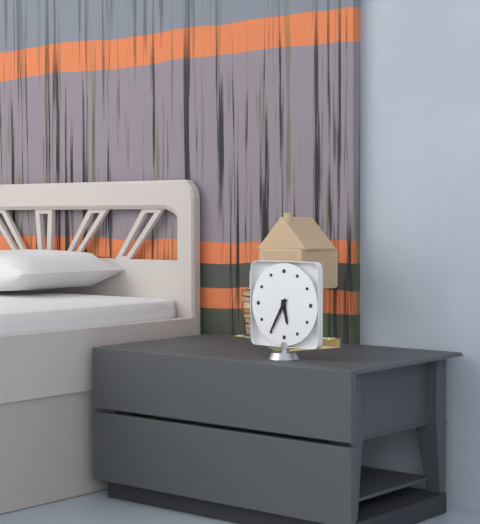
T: 5 h 35 min
